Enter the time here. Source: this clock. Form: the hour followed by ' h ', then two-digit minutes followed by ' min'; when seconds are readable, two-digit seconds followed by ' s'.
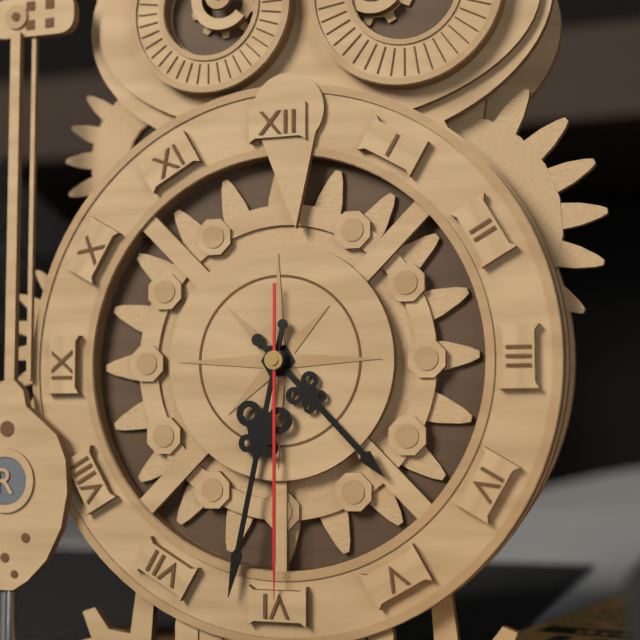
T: 4 h 32 min 30 s
